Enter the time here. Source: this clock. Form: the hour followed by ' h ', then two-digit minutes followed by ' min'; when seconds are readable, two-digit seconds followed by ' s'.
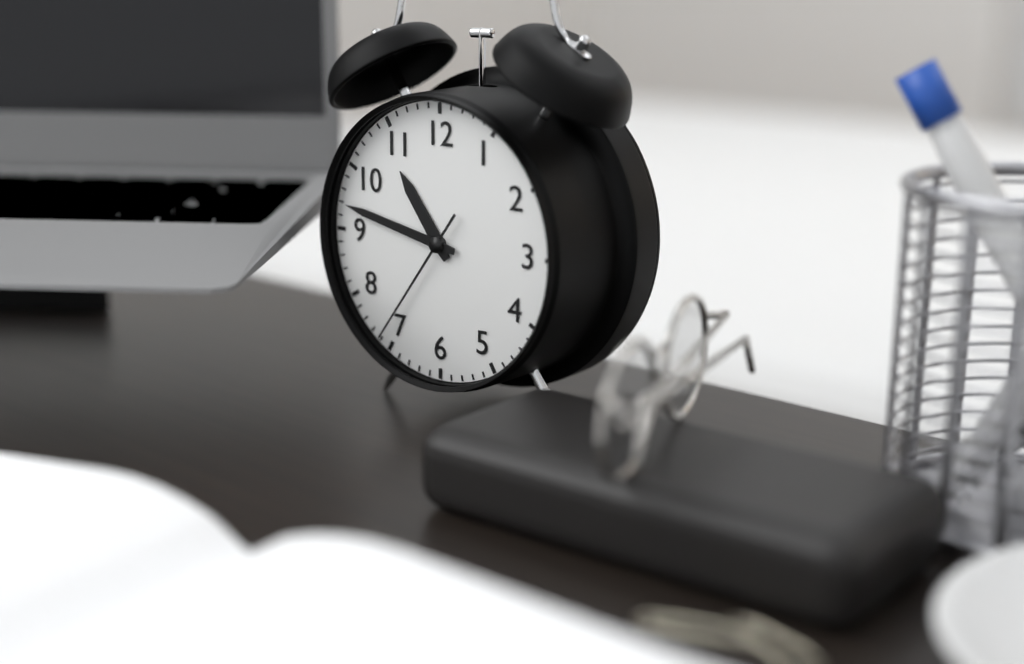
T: 10 h 47 min 36 s
